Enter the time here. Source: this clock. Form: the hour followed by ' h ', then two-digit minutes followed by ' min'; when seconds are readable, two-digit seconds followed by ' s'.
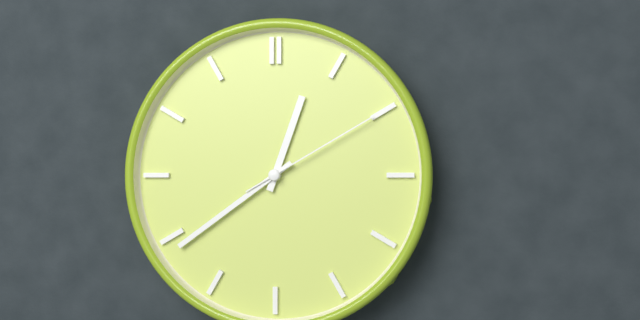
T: 12 h 39 min 10 s
